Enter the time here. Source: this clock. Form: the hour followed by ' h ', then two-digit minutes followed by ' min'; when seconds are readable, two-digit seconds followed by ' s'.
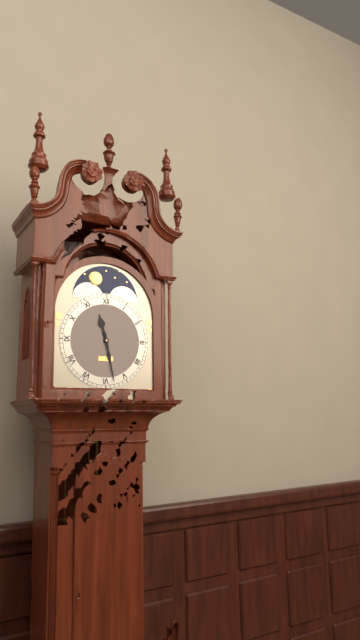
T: 11 h 28 min
